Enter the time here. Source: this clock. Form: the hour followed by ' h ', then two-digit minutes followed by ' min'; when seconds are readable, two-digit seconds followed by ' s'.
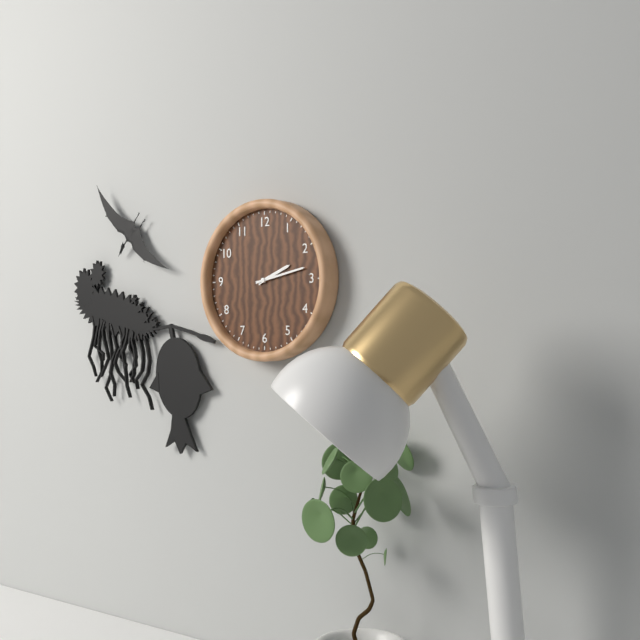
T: 2 h 13 min
